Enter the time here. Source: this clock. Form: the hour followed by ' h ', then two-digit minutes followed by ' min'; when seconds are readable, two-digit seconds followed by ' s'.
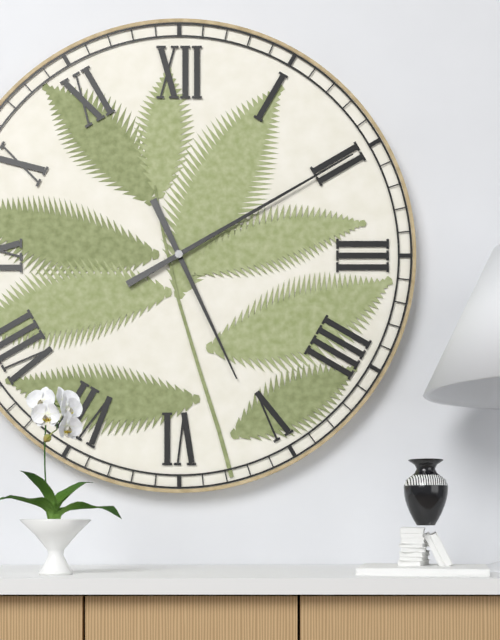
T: 5 h 10 min
